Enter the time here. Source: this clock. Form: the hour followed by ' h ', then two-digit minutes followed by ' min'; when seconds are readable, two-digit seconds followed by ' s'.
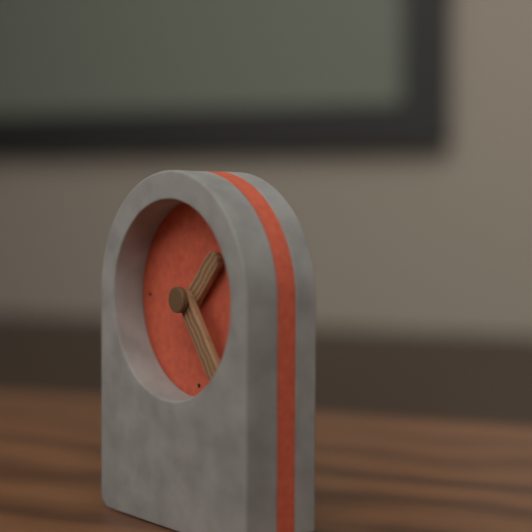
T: 1 h 24 min
